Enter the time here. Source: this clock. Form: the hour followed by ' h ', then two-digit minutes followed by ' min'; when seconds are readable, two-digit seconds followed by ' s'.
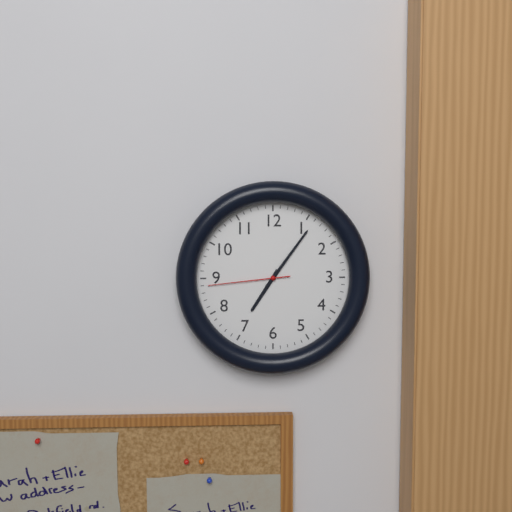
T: 7 h 06 min 44 s
